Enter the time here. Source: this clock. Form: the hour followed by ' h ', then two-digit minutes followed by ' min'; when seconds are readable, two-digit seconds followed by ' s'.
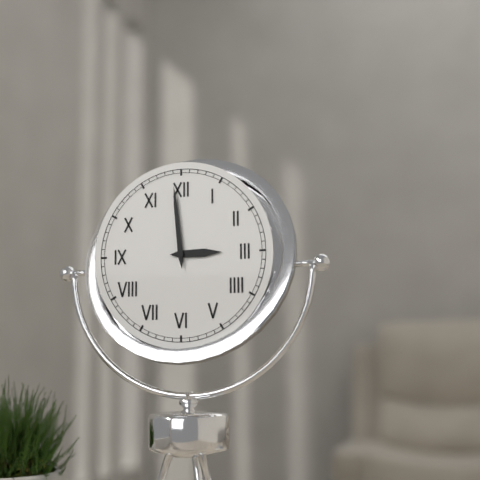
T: 2 h 59 min
